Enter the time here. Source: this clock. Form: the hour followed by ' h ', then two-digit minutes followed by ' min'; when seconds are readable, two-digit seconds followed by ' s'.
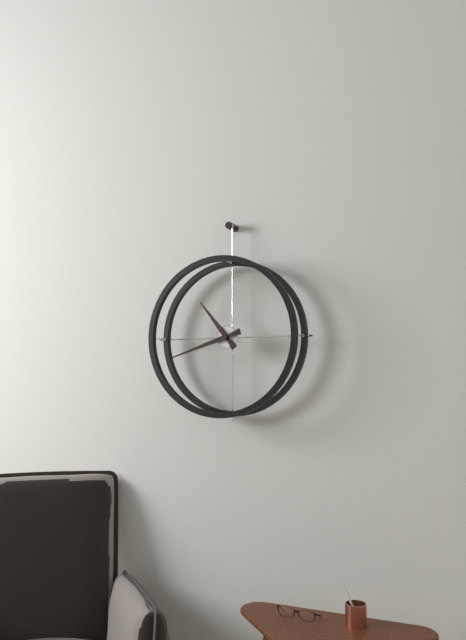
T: 10 h 42 min
